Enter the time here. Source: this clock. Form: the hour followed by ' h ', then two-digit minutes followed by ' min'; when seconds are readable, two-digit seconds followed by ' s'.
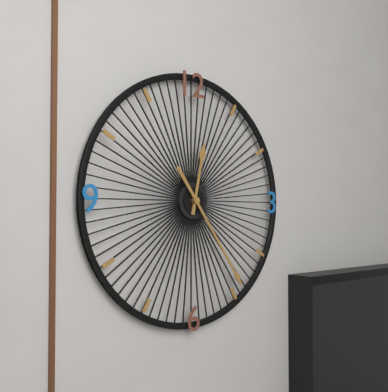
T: 12 h 24 min
